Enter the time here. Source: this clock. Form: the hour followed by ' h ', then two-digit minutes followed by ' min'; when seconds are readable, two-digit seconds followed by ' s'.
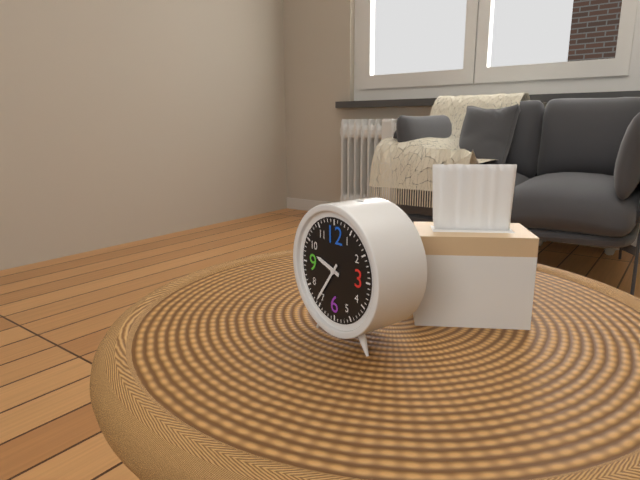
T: 9 h 36 min
